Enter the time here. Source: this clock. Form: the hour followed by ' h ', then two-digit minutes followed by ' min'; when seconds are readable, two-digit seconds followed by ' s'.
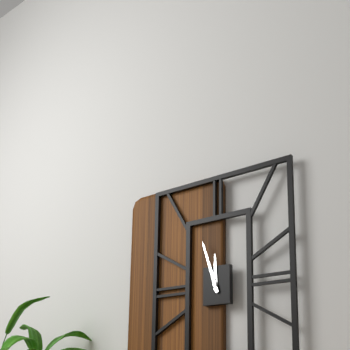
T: 11 h 57 min
